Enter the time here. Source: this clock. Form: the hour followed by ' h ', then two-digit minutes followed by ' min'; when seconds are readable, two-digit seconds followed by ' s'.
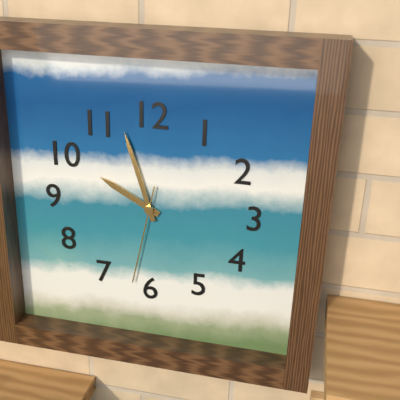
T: 9 h 57 min 32 s
